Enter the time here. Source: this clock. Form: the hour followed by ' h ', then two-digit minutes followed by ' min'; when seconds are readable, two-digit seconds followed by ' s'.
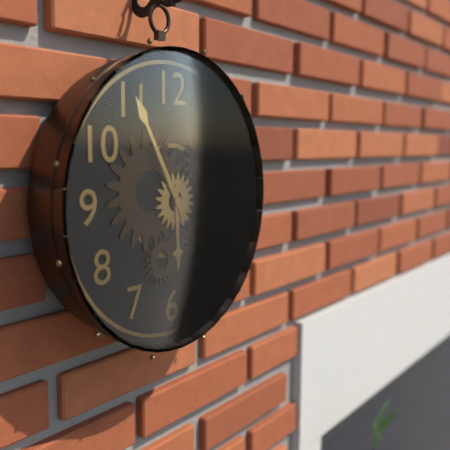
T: 5 h 55 min
